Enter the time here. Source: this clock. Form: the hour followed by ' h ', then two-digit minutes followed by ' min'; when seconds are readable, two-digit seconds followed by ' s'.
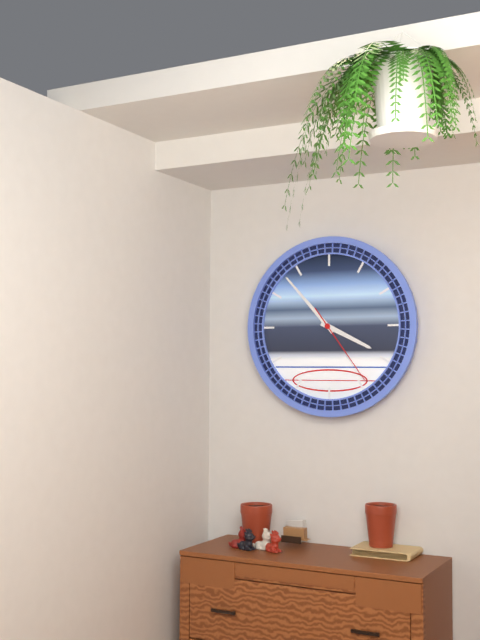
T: 3 h 53 min 24 s
